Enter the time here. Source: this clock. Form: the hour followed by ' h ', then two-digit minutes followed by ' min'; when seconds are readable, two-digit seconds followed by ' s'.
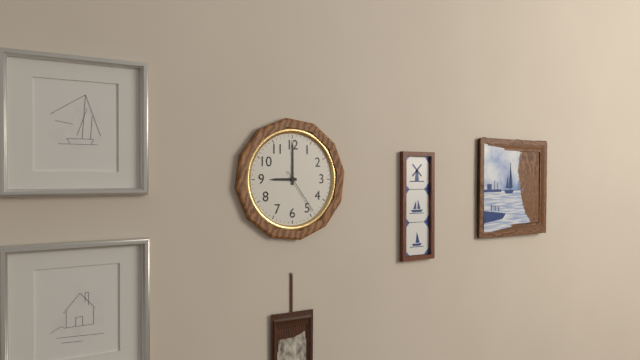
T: 9 h 00 min
